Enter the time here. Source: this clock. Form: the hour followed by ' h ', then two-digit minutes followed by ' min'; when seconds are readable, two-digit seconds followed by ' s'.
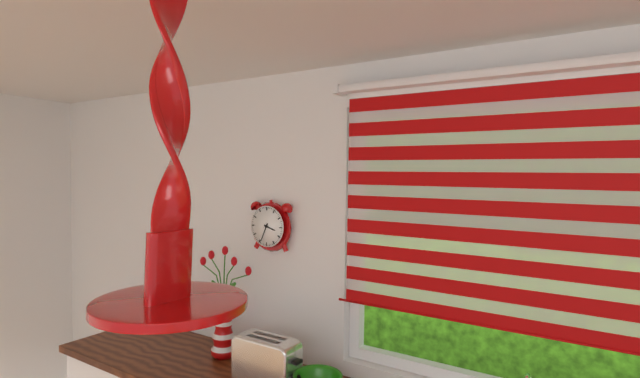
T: 3 h 34 min
